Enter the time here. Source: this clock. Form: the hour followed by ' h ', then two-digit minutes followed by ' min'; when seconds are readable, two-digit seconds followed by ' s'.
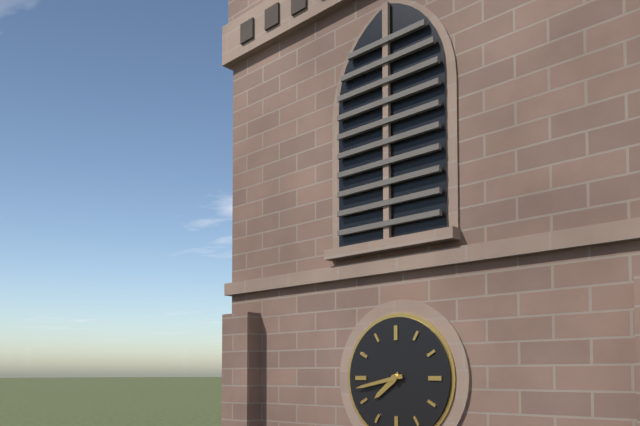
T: 7 h 43 min
